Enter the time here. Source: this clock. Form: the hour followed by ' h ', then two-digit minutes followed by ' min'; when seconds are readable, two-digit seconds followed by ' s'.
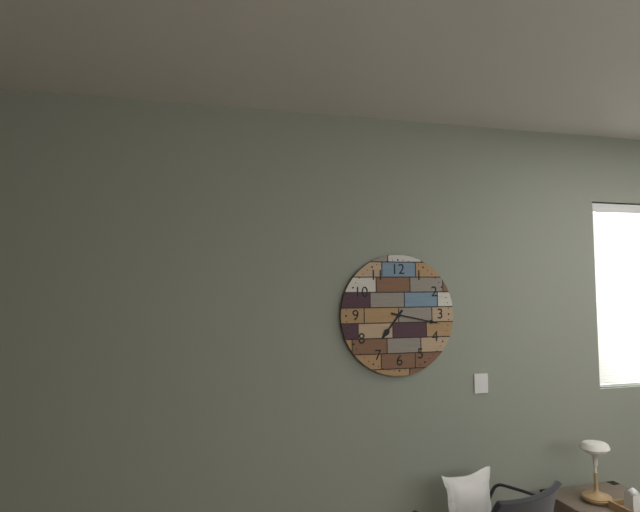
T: 7 h 17 min
